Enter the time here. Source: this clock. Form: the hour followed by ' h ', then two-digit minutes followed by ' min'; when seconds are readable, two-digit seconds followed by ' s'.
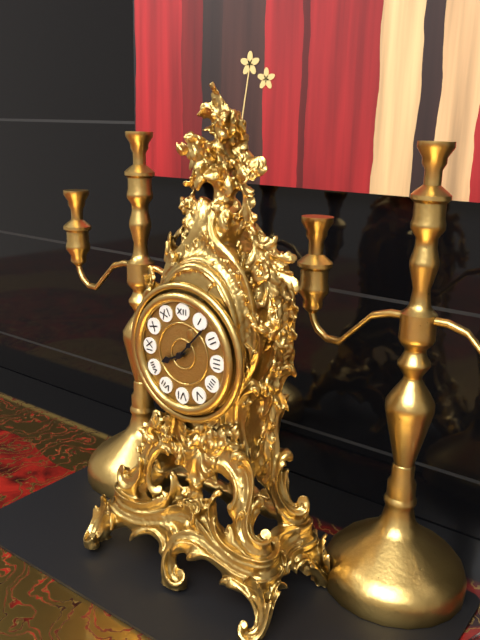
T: 8 h 07 min
